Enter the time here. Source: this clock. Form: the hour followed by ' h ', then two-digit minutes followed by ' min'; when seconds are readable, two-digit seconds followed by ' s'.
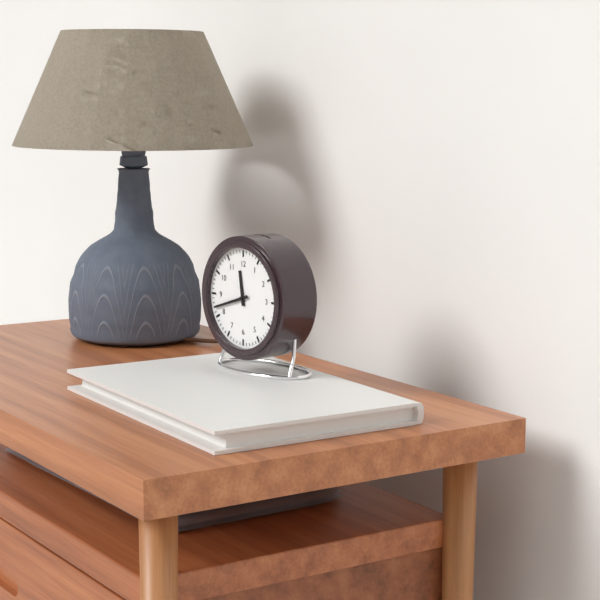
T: 11 h 42 min
